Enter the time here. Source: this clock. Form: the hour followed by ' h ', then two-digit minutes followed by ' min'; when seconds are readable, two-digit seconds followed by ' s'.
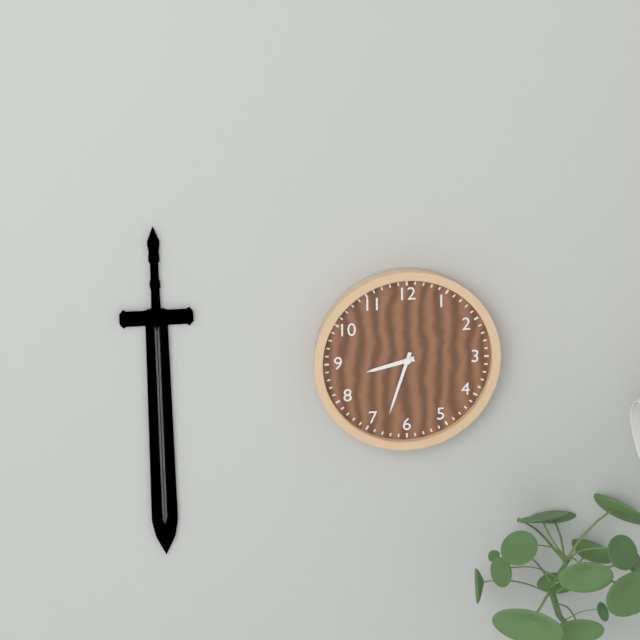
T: 8 h 33 min
